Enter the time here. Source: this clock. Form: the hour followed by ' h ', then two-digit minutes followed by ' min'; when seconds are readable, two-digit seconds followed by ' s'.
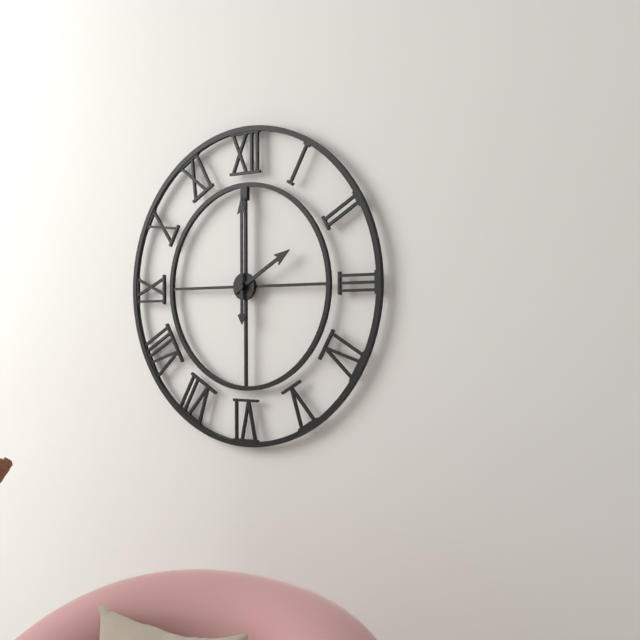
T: 2 h 00 min
